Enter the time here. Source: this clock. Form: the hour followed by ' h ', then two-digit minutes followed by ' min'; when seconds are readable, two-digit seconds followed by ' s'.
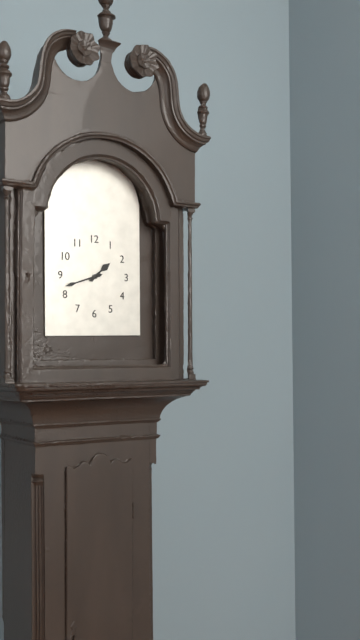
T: 1 h 42 min
